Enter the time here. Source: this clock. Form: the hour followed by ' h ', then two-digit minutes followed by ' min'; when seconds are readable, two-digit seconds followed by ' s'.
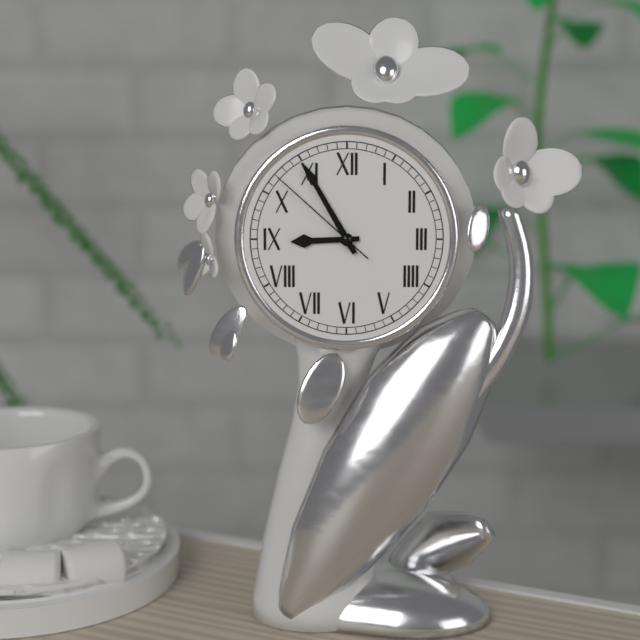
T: 8 h 55 min 52 s
